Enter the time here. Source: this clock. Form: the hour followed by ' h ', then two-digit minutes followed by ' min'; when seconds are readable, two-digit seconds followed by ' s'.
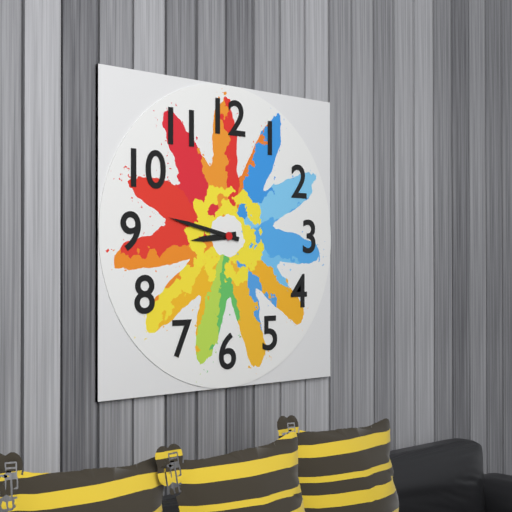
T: 8 h 47 min
